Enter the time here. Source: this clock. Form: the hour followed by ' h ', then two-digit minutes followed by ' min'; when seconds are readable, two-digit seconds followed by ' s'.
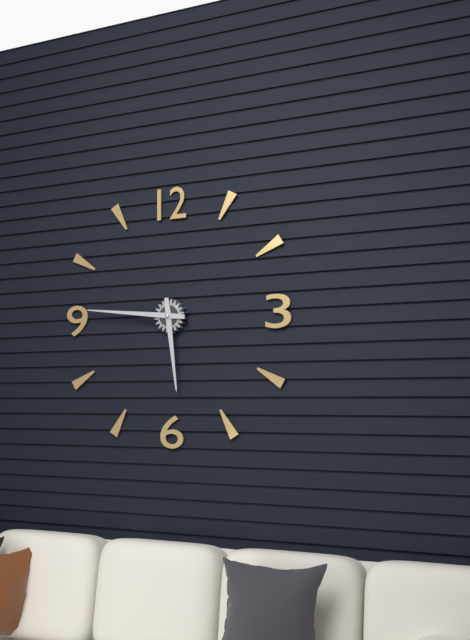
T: 5 h 46 min
